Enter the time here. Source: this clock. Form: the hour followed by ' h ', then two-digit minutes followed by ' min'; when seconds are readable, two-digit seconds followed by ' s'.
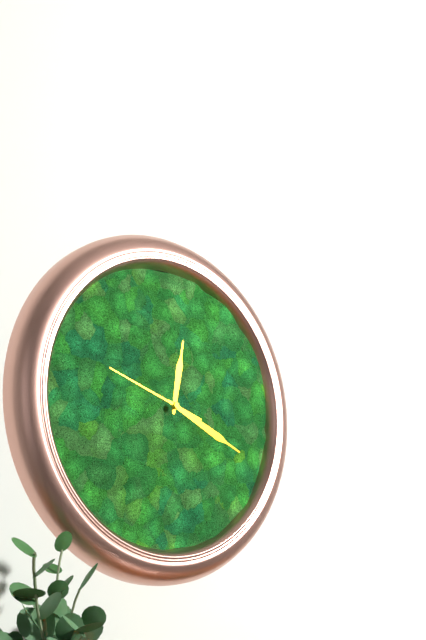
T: 12 h 19 min 48 s
